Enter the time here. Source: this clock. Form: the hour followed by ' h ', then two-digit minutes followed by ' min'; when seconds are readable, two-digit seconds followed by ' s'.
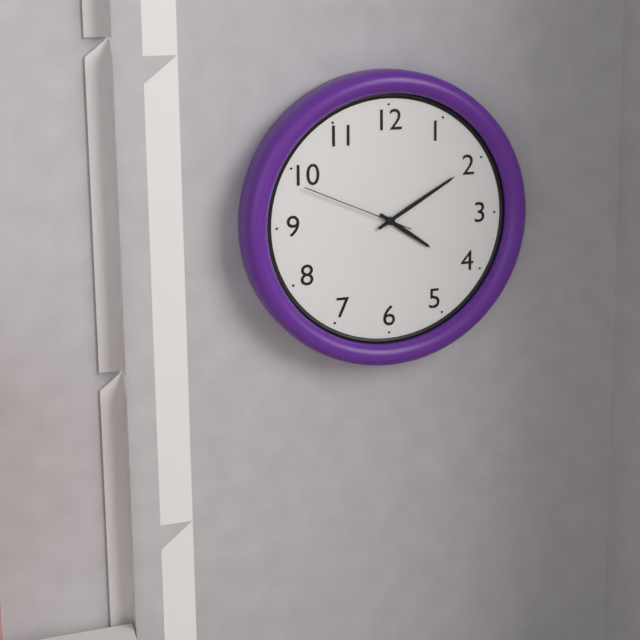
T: 4 h 10 min 49 s
